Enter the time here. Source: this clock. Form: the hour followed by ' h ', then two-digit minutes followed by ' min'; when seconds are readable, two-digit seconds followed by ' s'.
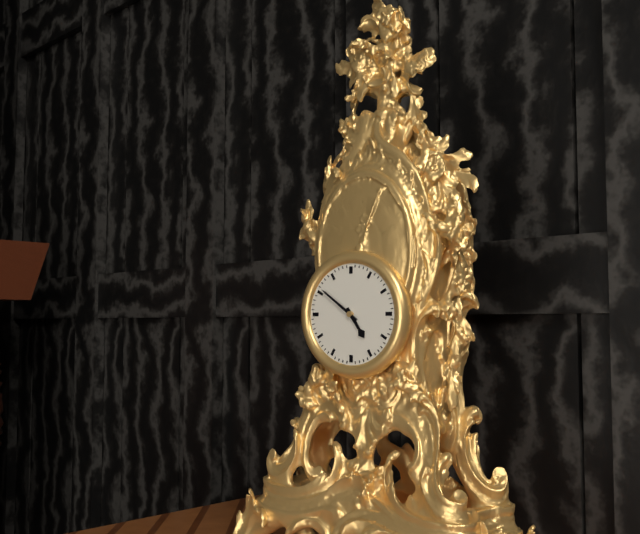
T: 4 h 51 min
